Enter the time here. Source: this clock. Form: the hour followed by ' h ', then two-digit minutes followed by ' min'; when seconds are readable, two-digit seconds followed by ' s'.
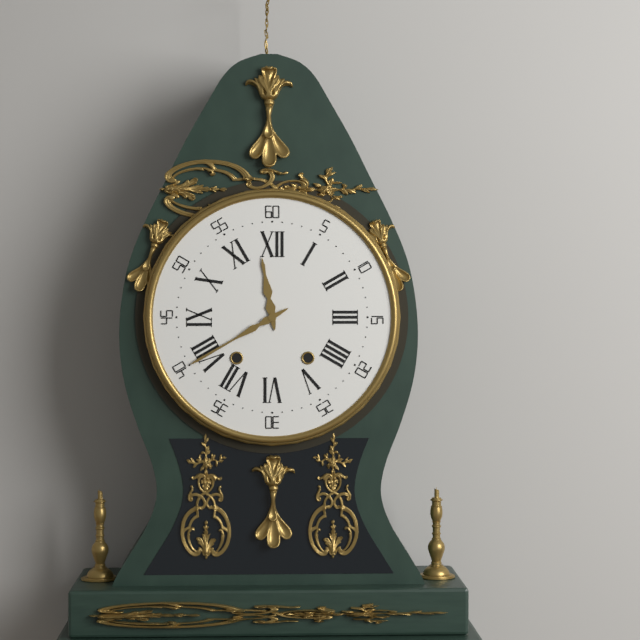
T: 11 h 40 min
